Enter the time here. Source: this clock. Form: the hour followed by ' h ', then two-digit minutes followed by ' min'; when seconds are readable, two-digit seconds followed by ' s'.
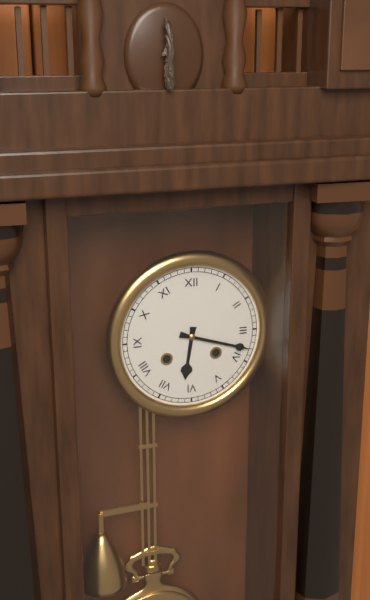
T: 6 h 18 min
